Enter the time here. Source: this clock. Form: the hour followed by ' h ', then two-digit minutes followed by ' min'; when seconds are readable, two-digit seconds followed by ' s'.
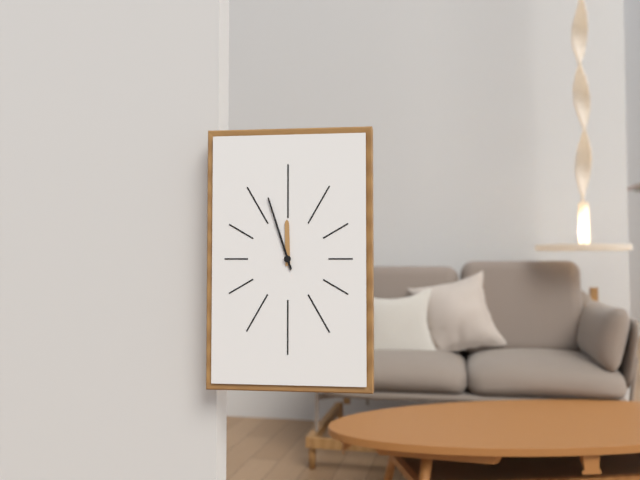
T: 11 h 57 min
